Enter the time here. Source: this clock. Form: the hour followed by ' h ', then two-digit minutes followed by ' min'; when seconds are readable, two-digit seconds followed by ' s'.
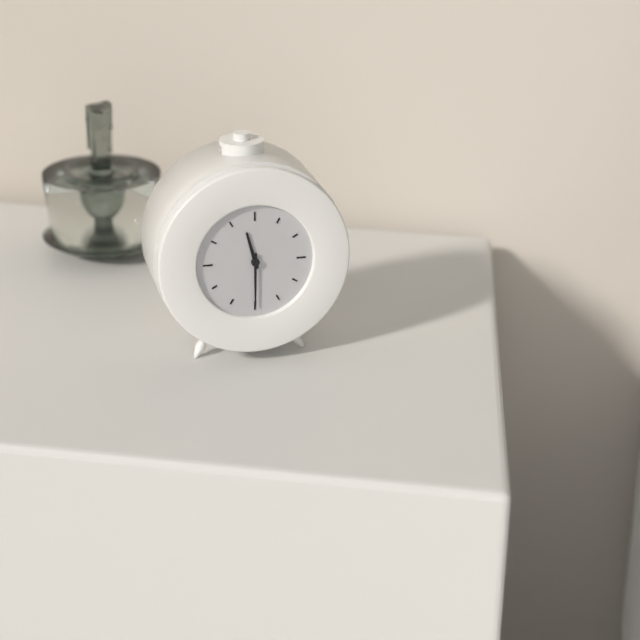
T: 11 h 30 min
